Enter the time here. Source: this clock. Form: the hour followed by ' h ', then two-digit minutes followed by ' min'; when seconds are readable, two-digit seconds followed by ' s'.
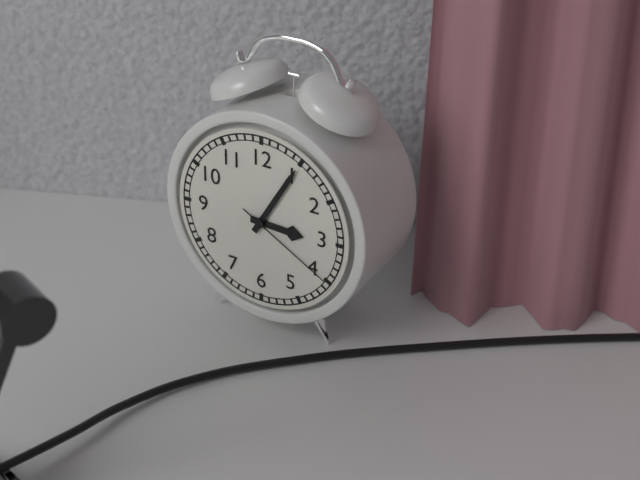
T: 3 h 05 min 20 s
